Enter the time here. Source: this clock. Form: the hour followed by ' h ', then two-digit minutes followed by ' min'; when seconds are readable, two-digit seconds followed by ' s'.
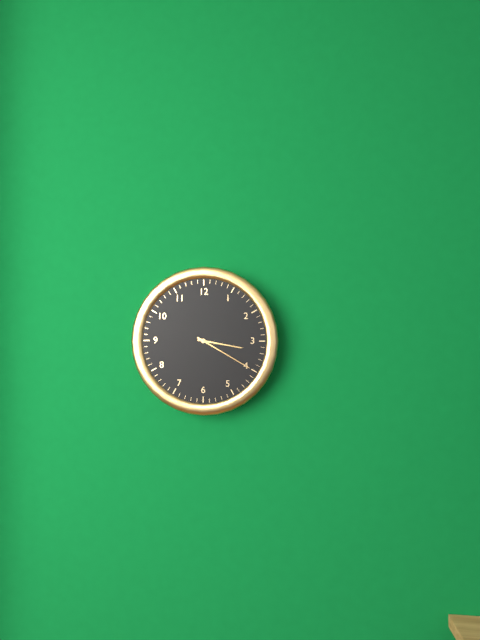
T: 3 h 20 min
